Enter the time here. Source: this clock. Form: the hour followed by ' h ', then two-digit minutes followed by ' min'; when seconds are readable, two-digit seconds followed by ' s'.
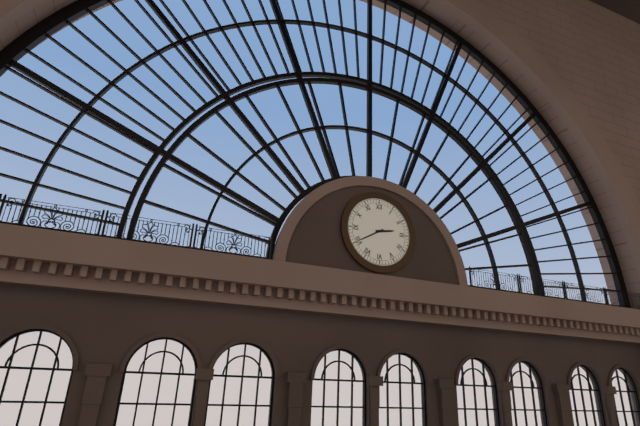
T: 2 h 40 min
